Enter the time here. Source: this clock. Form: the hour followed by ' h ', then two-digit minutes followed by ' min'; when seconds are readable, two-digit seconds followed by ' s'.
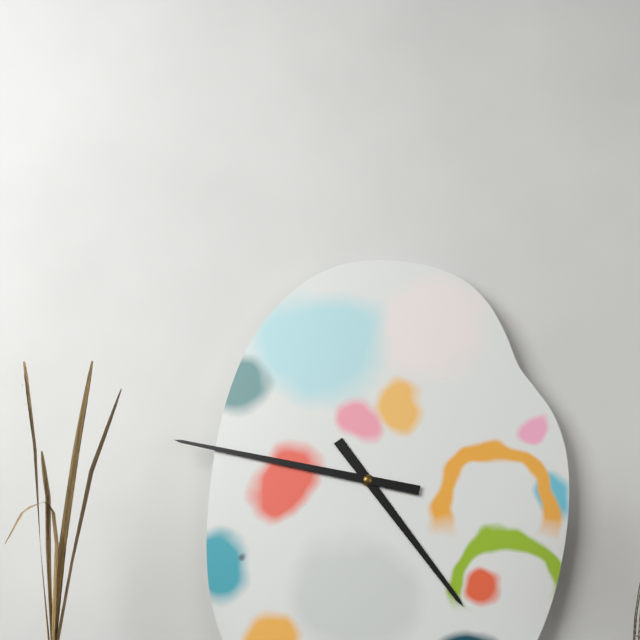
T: 4 h 47 min
